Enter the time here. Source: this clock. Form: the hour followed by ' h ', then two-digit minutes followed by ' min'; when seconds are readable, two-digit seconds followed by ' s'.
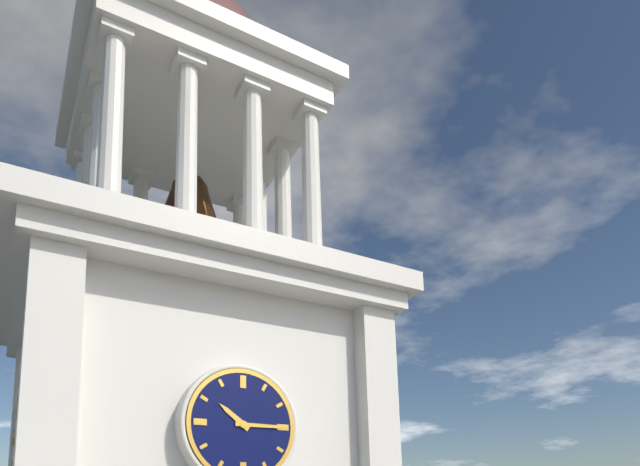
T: 10 h 15 min
